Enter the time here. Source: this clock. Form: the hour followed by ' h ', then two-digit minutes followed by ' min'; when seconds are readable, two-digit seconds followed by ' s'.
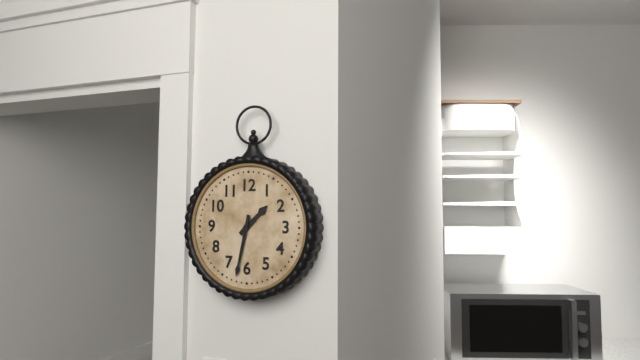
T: 1 h 32 min
